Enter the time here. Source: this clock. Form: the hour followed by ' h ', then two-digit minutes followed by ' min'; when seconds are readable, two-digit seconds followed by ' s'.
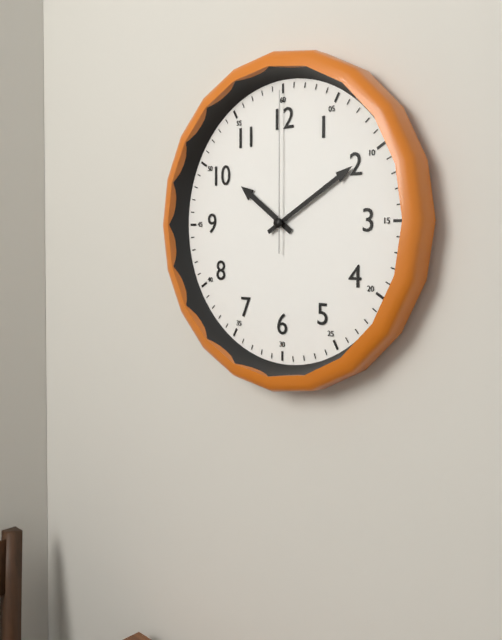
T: 10 h 10 min 00 s
